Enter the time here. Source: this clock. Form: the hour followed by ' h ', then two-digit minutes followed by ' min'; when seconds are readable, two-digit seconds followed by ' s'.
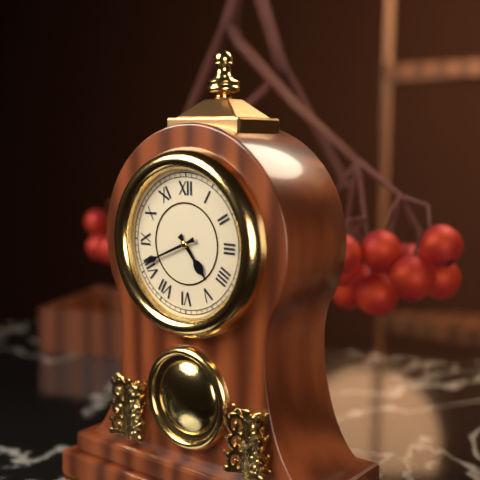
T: 4 h 41 min
